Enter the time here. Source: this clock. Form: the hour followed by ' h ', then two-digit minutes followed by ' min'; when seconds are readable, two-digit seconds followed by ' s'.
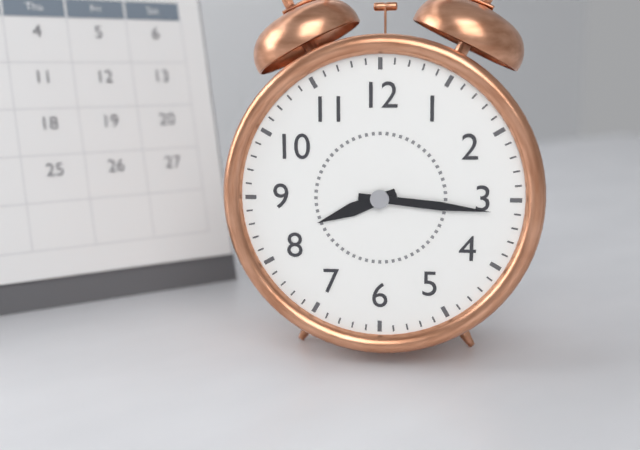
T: 8 h 16 min
